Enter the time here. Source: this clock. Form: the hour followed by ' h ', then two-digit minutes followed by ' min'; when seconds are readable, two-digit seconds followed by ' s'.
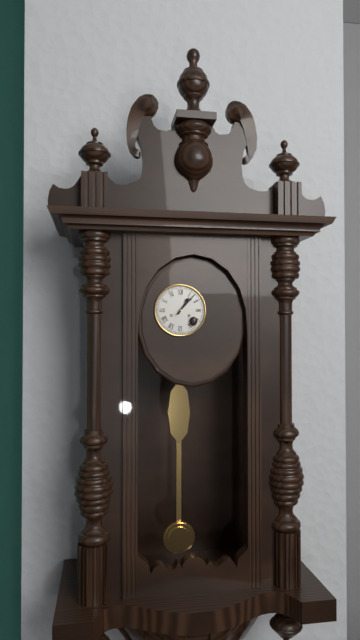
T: 1 h 07 min
